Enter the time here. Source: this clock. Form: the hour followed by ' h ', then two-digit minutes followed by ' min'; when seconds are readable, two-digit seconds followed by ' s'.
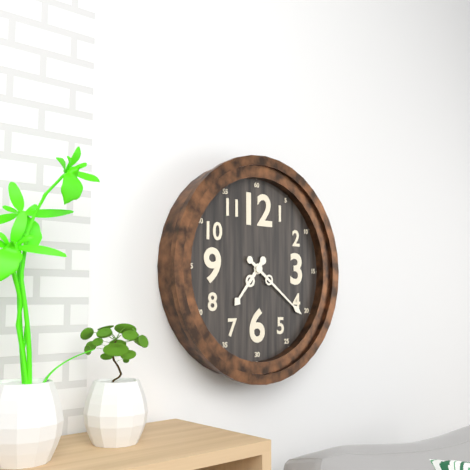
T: 7 h 21 min
